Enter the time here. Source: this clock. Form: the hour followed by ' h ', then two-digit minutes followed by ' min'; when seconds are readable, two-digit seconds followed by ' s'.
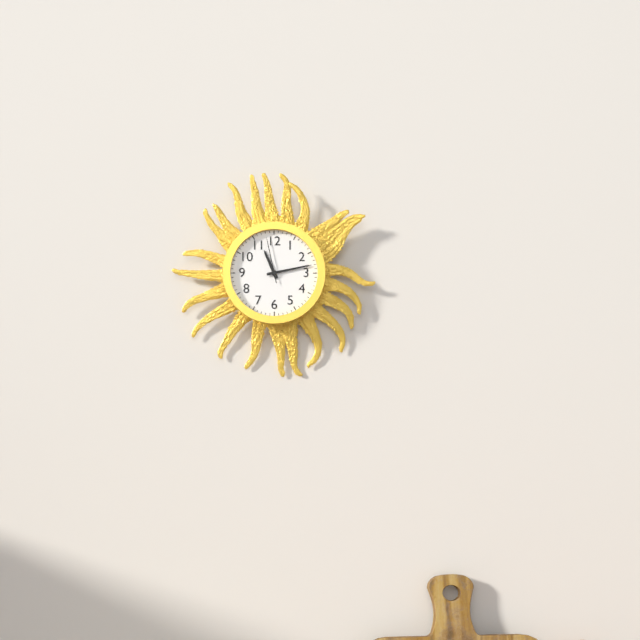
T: 11 h 13 min
